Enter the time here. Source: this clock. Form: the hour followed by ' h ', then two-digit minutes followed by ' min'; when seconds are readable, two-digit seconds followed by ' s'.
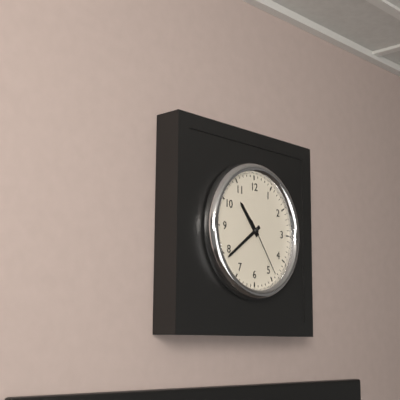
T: 10 h 39 min 24 s
